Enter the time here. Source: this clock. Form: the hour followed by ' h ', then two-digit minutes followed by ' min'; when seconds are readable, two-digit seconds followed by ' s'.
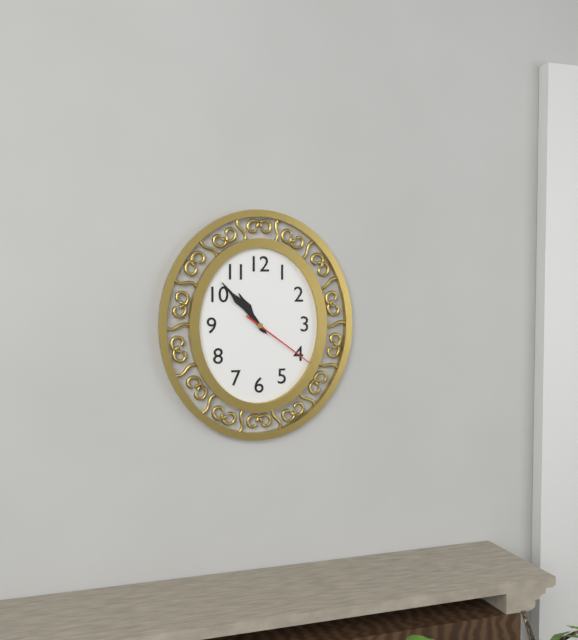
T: 10 h 53 min 21 s
